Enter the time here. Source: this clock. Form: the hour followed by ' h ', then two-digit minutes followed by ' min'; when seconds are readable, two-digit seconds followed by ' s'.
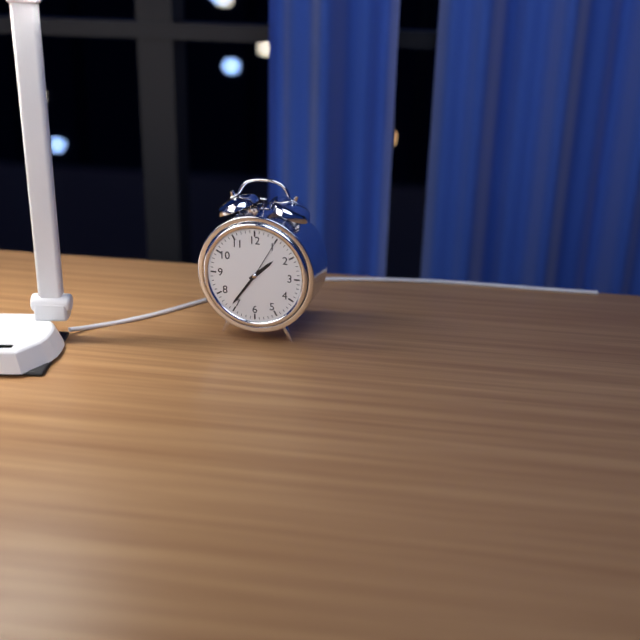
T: 1 h 36 min
